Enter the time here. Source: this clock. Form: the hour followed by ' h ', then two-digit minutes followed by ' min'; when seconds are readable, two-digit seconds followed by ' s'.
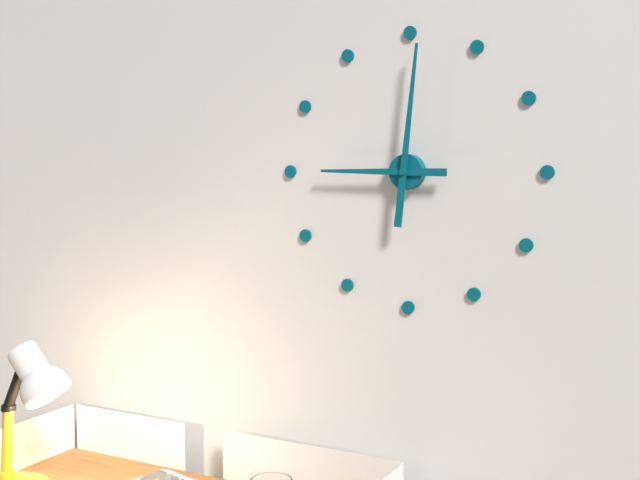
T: 9 h 01 min
